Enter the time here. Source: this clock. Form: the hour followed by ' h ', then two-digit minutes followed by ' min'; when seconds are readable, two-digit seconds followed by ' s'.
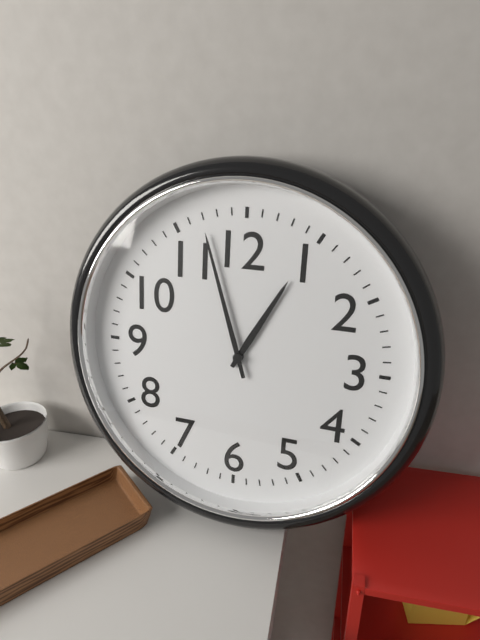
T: 12 h 57 min
